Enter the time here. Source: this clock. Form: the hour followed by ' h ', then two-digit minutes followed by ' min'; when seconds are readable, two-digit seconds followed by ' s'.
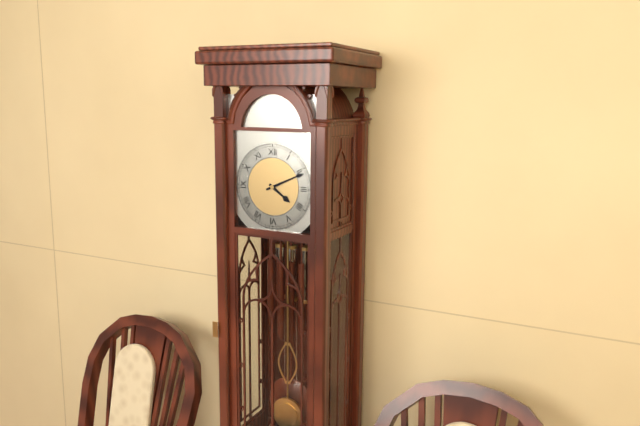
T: 4 h 11 min
